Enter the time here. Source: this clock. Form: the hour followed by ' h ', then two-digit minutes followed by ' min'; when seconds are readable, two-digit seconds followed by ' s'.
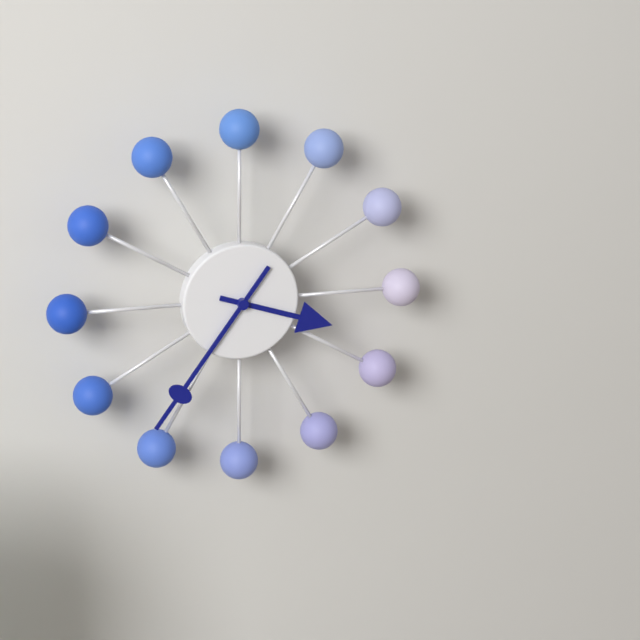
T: 3 h 36 min
